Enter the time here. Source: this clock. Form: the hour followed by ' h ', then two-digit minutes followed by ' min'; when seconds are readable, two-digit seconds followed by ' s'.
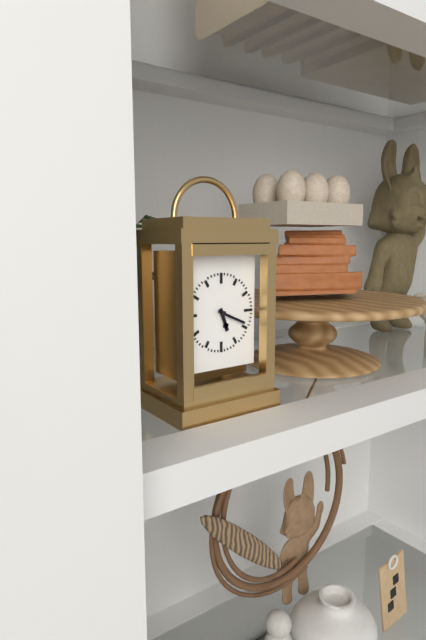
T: 5 h 19 min
